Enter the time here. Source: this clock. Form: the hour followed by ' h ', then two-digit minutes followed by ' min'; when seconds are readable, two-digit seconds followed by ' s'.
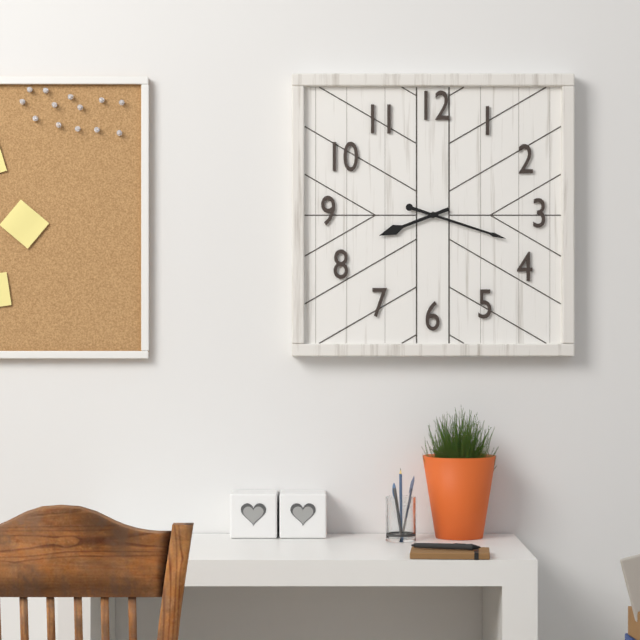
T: 8 h 18 min
